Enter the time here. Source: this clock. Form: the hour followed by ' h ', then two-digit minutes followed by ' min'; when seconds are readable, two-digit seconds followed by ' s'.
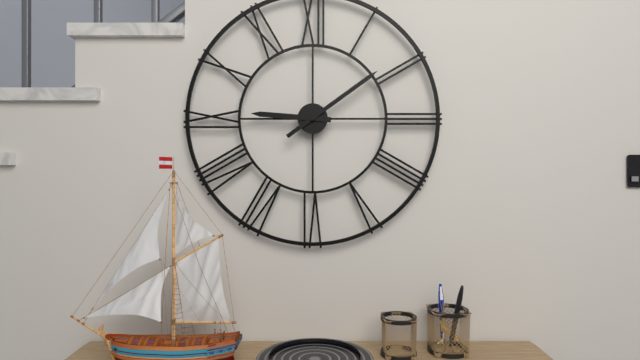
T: 9 h 09 min
